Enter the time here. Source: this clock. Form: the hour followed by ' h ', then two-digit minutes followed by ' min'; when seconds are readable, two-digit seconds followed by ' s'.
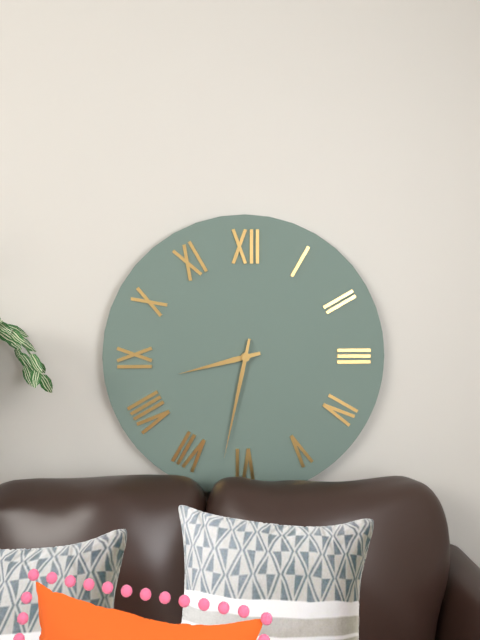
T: 8 h 32 min
